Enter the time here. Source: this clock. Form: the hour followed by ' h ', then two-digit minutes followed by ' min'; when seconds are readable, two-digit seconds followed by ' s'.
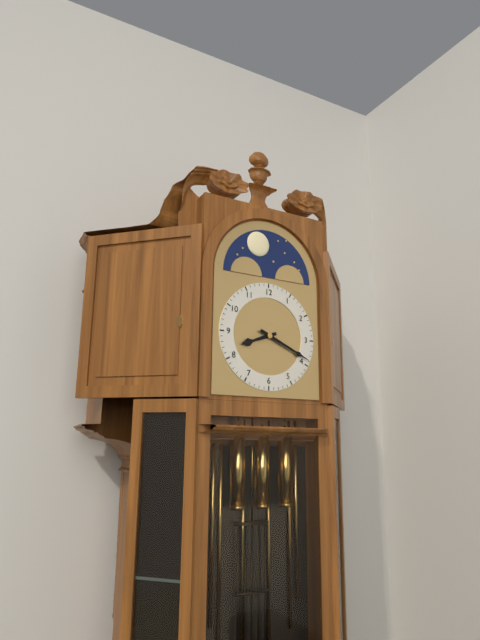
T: 8 h 19 min
